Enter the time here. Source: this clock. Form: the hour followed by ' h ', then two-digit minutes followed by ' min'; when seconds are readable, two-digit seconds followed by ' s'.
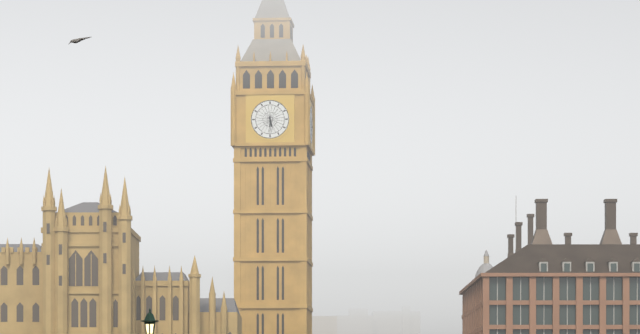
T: 5 h 30 min
